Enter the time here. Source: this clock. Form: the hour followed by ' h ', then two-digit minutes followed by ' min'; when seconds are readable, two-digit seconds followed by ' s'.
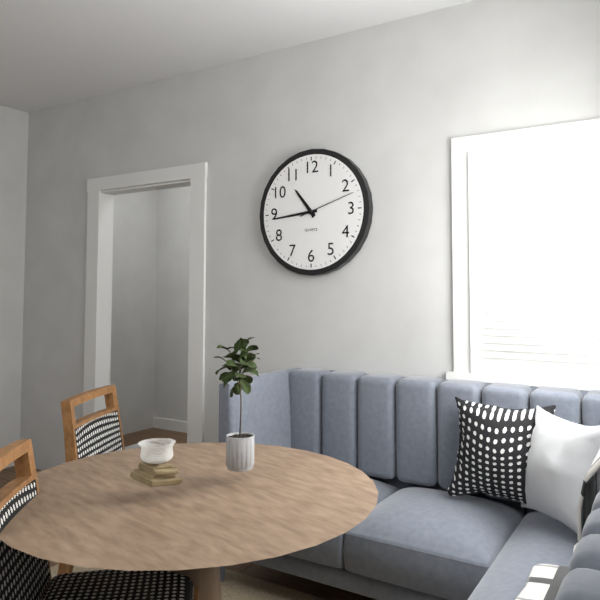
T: 10 h 44 min 12 s
